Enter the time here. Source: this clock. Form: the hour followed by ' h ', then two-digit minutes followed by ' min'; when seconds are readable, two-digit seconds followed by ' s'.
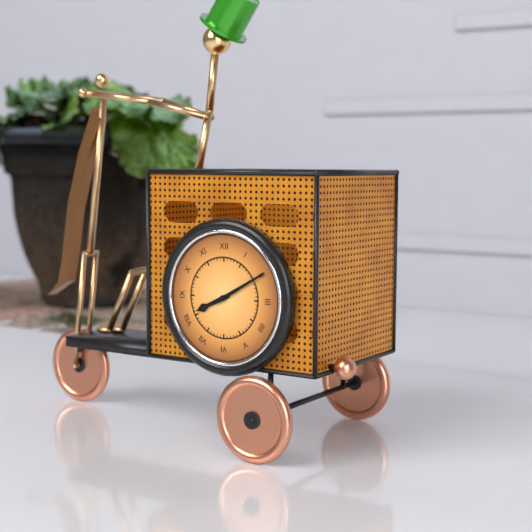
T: 8 h 10 min
